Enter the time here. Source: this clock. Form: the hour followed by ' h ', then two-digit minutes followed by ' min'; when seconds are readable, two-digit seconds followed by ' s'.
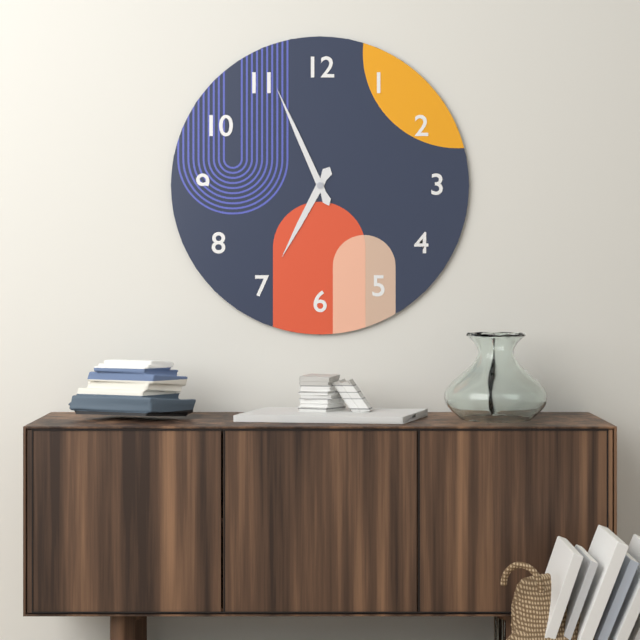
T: 6 h 56 min
